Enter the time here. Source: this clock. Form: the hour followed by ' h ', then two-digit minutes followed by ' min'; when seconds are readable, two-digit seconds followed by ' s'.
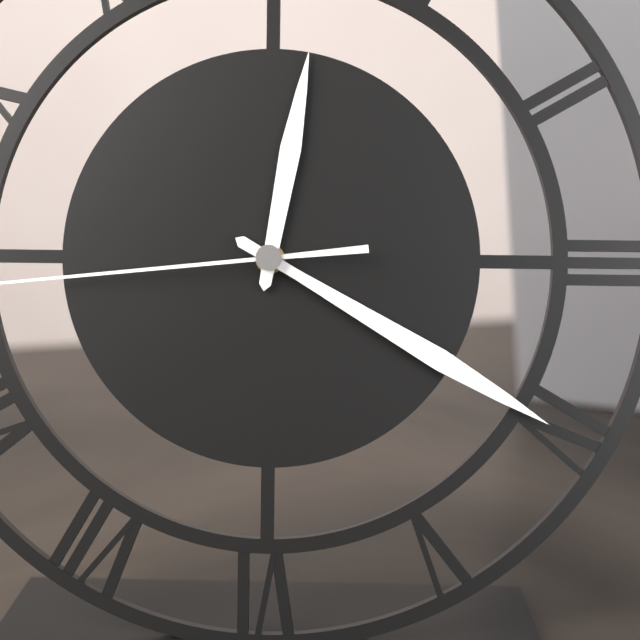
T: 12 h 20 min
